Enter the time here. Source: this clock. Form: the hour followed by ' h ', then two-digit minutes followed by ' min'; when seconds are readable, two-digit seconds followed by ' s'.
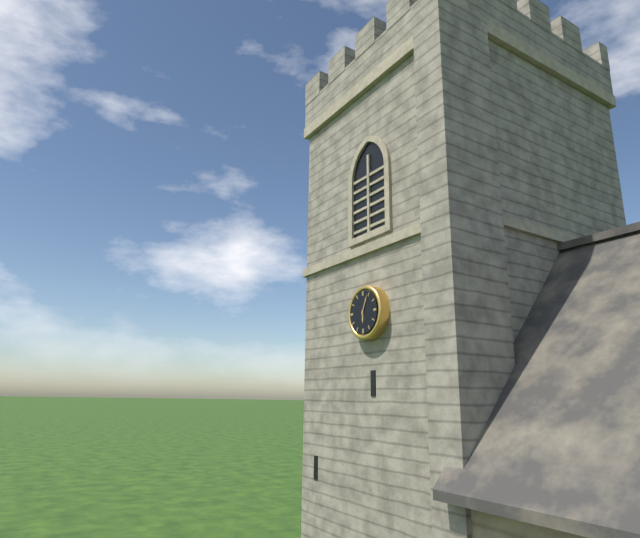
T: 6 h 04 min
